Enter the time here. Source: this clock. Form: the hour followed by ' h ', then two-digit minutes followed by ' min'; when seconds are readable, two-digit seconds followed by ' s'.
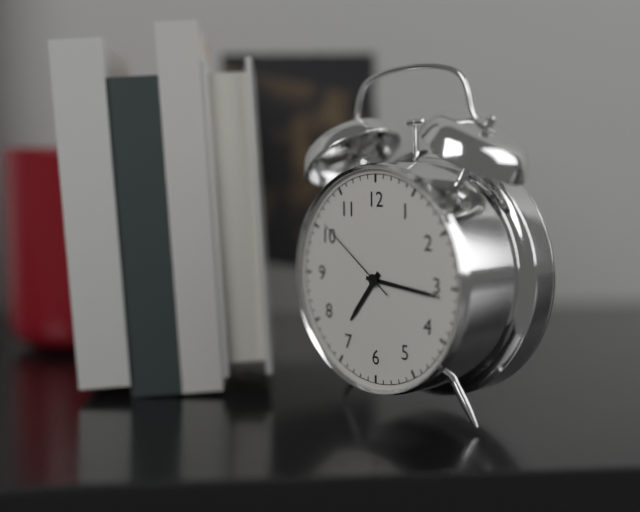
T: 7 h 16 min 51 s
